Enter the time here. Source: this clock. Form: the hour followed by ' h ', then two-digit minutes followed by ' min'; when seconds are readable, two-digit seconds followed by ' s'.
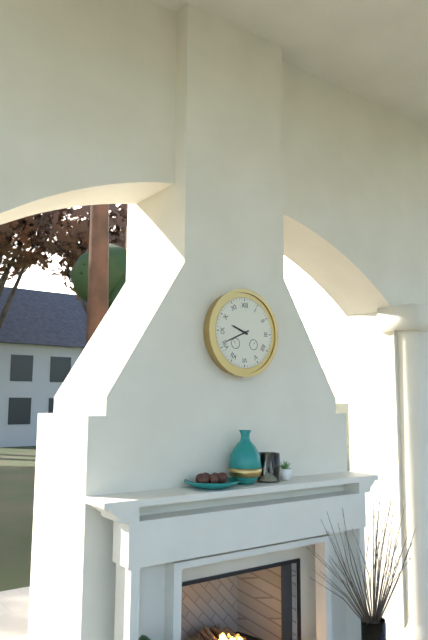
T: 9 h 41 min
